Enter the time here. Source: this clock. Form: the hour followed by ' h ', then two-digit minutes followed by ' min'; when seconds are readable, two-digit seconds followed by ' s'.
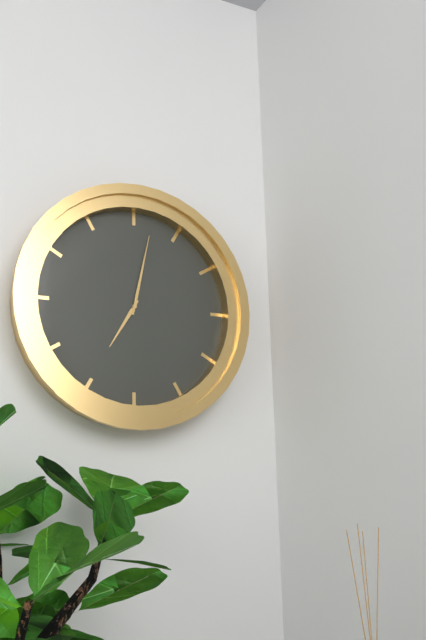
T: 7 h 02 min
